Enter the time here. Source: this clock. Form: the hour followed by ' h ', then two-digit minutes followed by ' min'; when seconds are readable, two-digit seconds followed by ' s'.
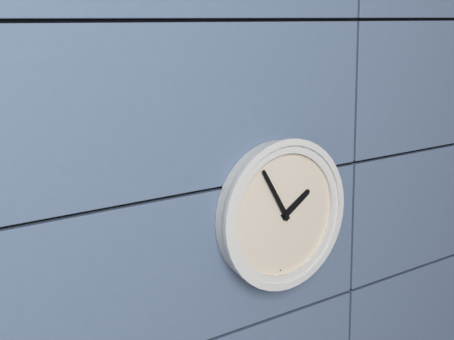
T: 1 h 55 min
